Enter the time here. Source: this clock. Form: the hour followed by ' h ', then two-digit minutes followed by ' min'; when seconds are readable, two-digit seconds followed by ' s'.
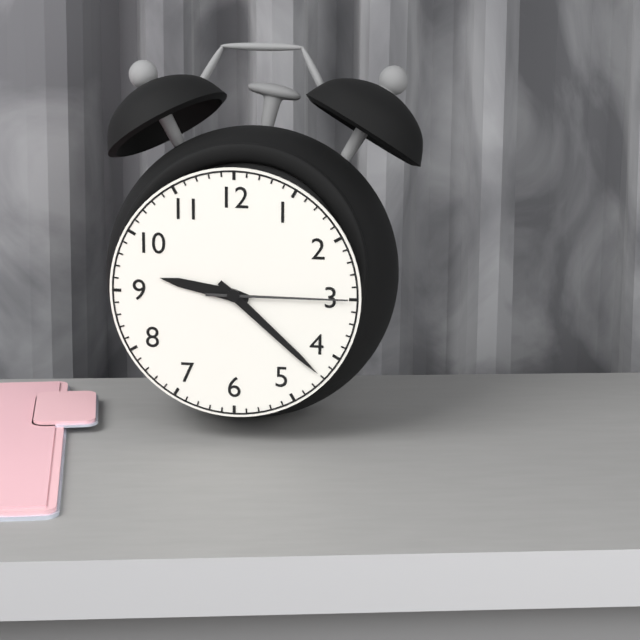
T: 9 h 22 min 15 s
